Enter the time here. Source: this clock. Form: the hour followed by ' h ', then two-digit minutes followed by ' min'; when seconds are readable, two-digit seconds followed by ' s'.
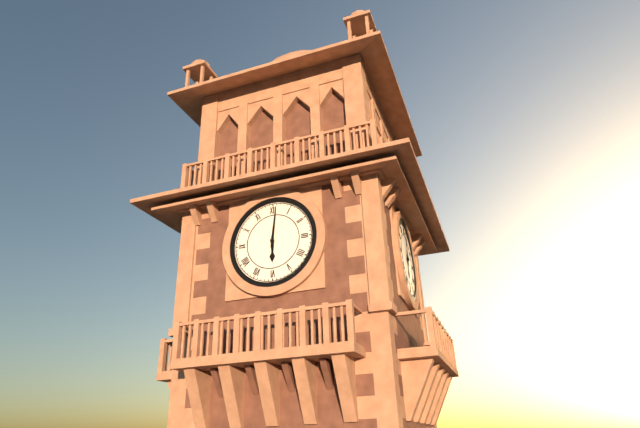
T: 6 h 01 min
